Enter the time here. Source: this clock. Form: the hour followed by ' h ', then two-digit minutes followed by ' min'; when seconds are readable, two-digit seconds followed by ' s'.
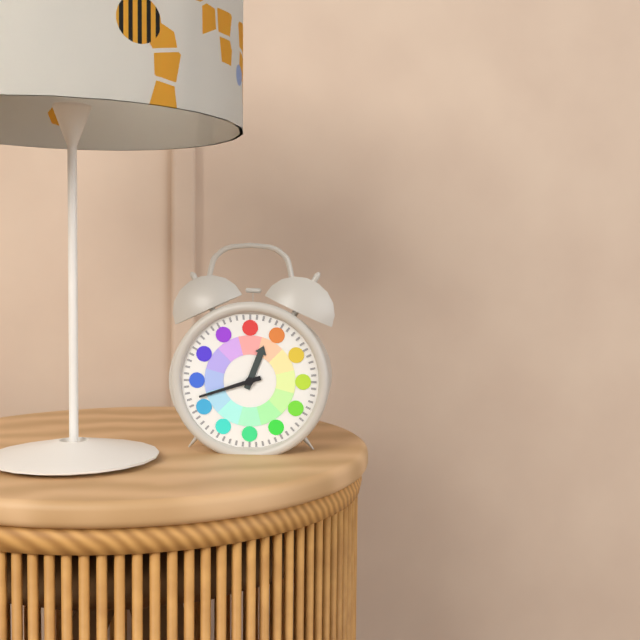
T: 12 h 42 min
